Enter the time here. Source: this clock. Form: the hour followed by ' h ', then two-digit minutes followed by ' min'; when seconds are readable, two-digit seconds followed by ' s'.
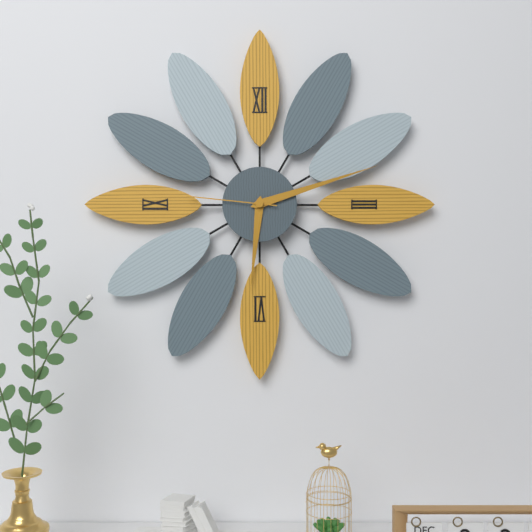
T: 6 h 12 min 46 s
